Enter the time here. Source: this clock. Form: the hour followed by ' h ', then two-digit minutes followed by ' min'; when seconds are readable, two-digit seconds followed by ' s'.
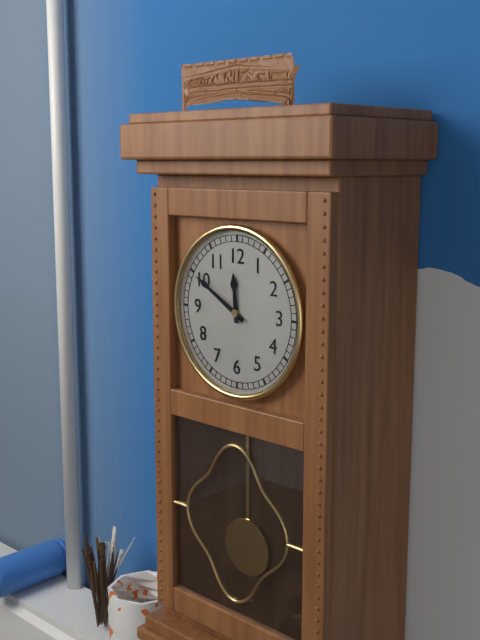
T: 11 h 50 min
